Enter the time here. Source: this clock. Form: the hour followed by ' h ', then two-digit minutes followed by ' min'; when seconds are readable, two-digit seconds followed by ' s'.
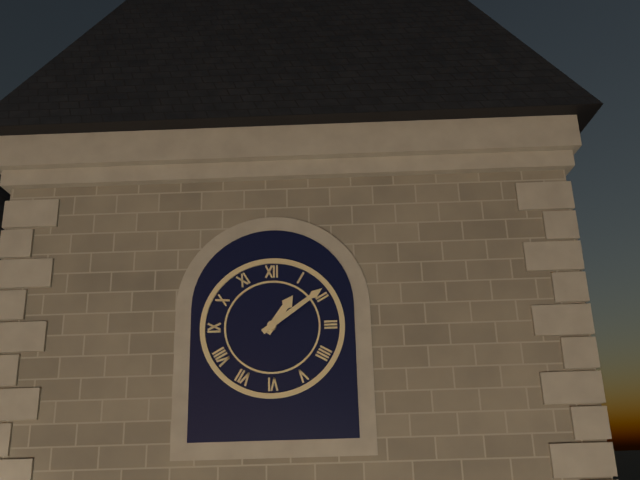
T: 1 h 09 min
